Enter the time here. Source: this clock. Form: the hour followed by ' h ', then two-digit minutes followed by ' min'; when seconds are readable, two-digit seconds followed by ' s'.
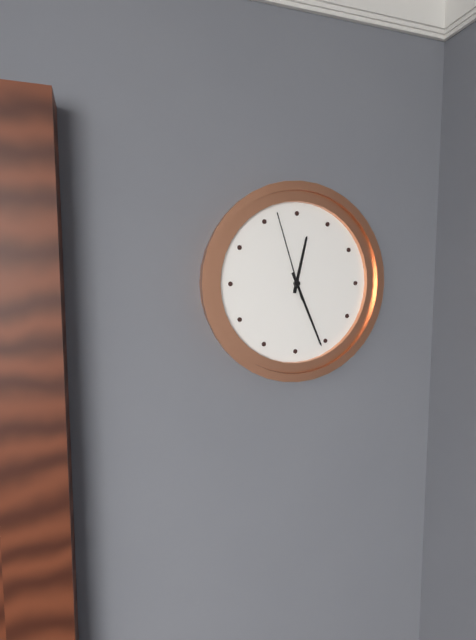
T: 12 h 26 min 57 s
